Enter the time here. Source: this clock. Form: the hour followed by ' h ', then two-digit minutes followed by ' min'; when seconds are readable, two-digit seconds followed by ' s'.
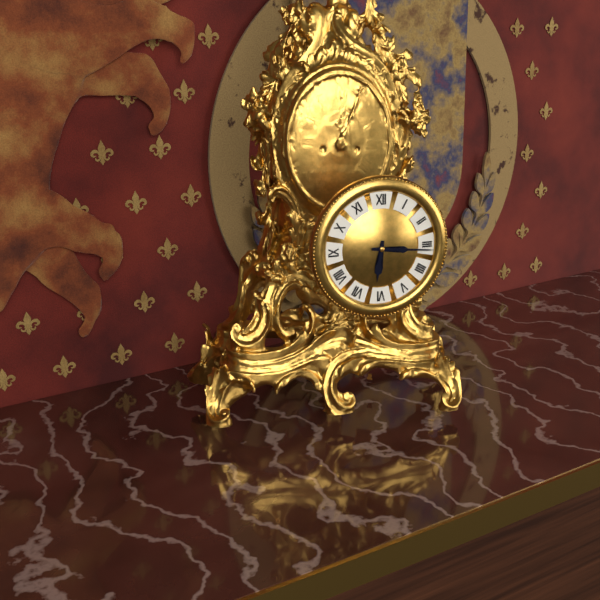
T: 6 h 16 min
